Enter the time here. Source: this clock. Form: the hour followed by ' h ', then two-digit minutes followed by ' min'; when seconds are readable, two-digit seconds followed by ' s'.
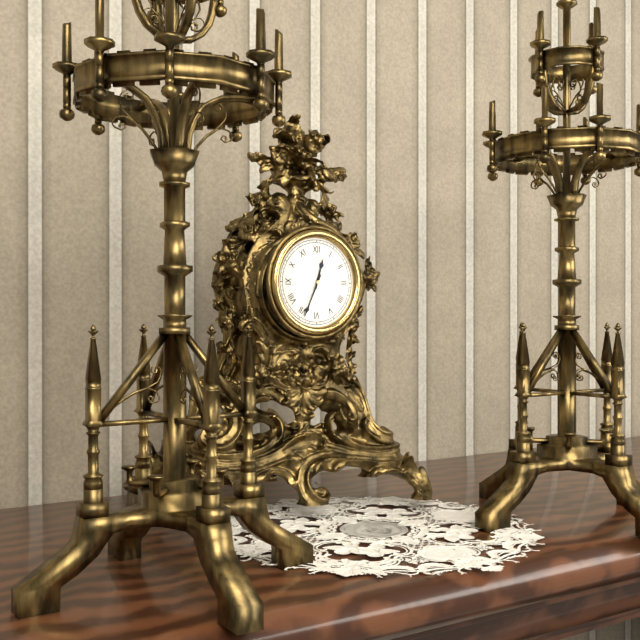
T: 12 h 34 min
